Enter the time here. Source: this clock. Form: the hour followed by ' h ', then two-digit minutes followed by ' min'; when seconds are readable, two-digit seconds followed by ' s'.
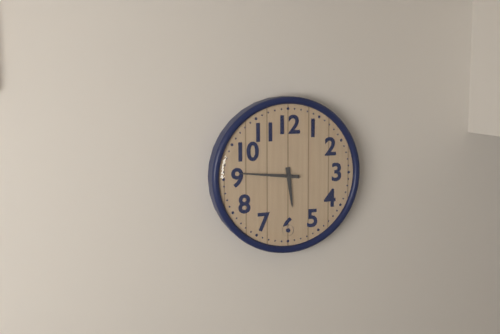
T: 5 h 46 min
